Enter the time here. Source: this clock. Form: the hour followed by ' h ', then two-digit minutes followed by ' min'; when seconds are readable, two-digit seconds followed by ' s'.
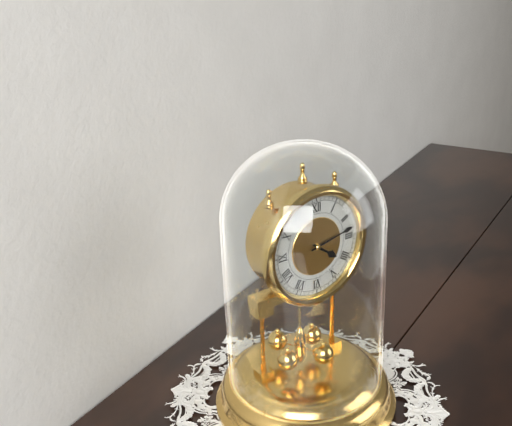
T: 4 h 13 min
